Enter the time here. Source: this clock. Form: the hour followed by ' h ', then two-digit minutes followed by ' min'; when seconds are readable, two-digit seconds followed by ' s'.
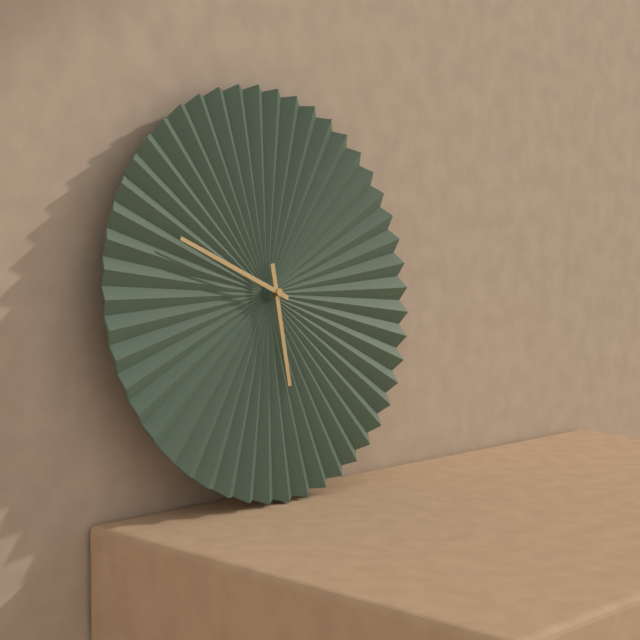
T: 5 h 49 min
